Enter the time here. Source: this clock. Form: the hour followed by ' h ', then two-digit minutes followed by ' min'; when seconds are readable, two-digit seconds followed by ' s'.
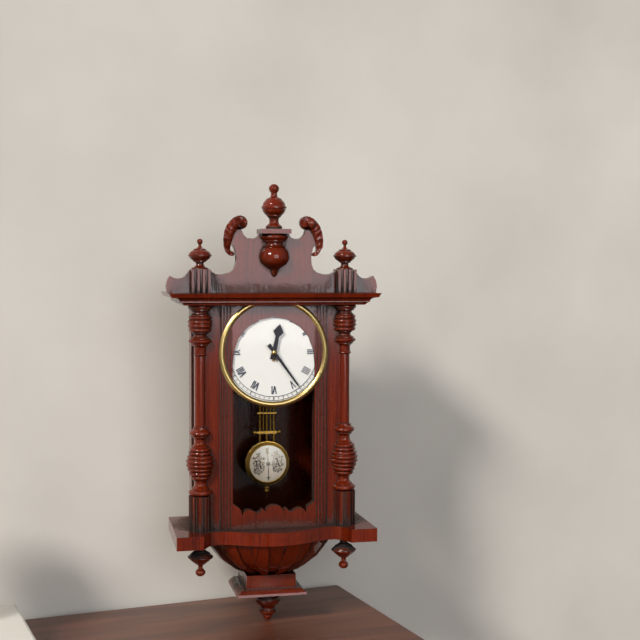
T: 12 h 24 min
